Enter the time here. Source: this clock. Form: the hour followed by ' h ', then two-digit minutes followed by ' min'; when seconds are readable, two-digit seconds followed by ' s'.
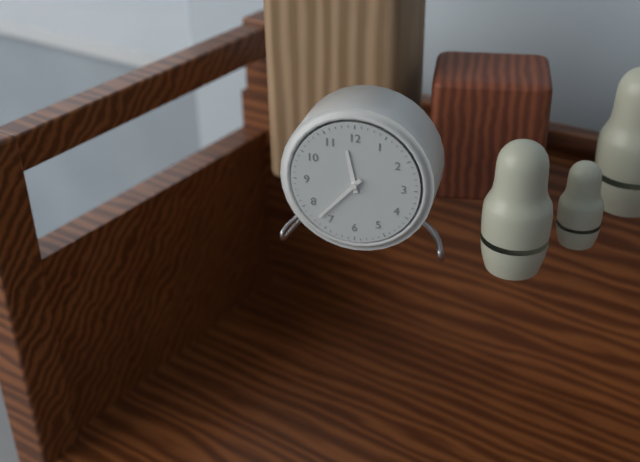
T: 11 h 37 min
